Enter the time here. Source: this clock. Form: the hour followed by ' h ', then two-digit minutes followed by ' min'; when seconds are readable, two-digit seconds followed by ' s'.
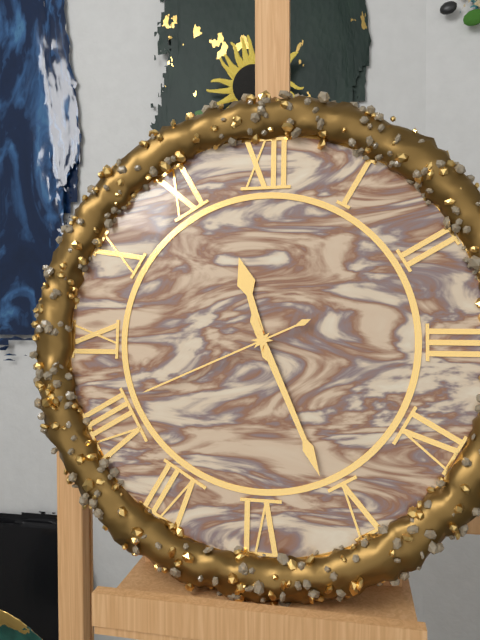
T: 11 h 26 min 41 s
